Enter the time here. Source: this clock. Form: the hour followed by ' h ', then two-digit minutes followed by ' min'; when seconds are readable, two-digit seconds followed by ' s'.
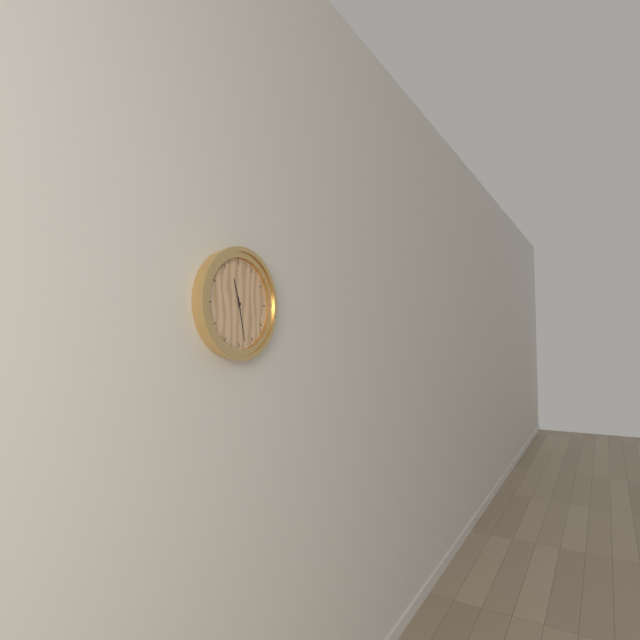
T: 11 h 28 min
